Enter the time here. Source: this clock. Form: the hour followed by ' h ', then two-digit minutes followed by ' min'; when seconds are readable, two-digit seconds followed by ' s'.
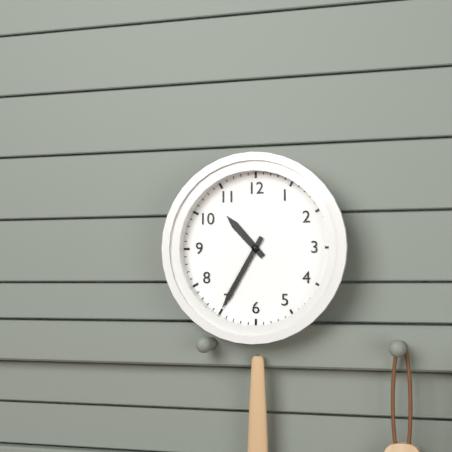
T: 10 h 35 min
